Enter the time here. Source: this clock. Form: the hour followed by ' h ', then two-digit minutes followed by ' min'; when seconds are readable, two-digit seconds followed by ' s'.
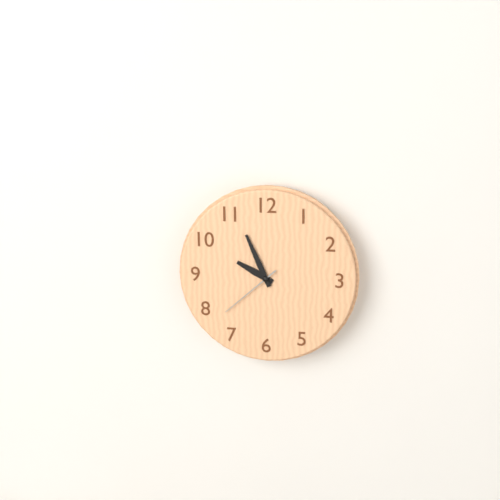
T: 9 h 56 min 38 s
